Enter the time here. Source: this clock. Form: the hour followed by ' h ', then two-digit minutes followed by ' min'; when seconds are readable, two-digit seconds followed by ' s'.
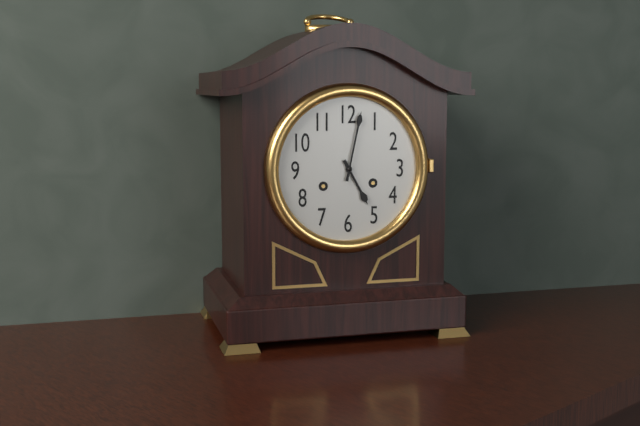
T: 5 h 02 min
